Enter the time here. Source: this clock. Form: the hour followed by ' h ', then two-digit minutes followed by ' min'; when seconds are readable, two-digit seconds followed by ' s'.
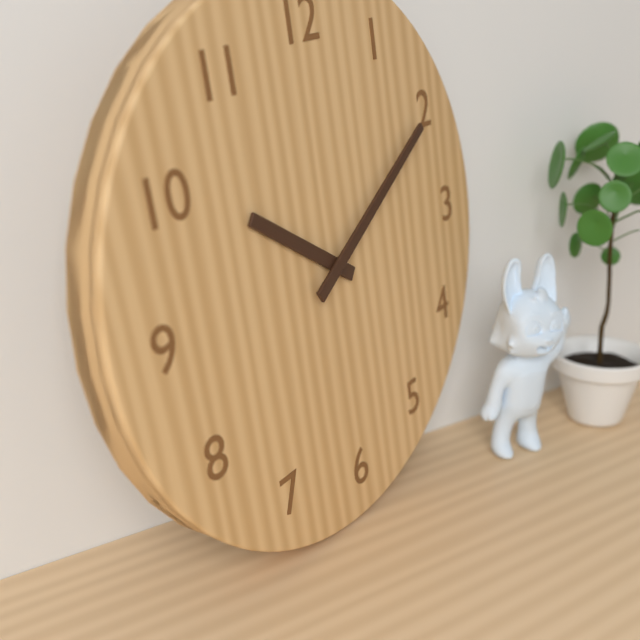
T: 10 h 10 min
